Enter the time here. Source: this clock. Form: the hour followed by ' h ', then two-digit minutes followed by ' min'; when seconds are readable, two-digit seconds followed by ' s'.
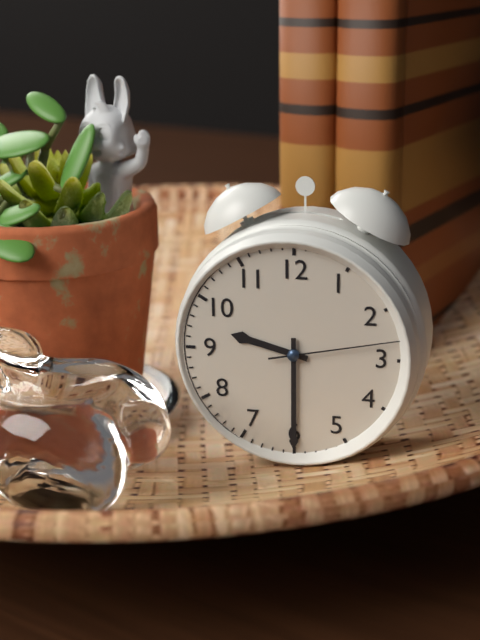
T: 9 h 30 min 13 s
